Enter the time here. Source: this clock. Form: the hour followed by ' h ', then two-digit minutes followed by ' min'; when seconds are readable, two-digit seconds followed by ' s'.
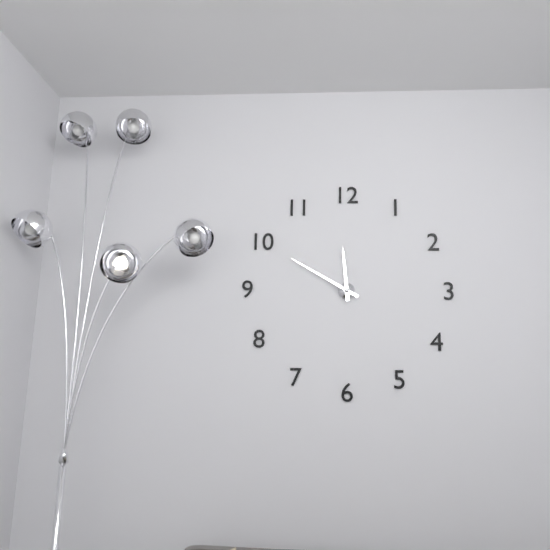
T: 11 h 50 min
